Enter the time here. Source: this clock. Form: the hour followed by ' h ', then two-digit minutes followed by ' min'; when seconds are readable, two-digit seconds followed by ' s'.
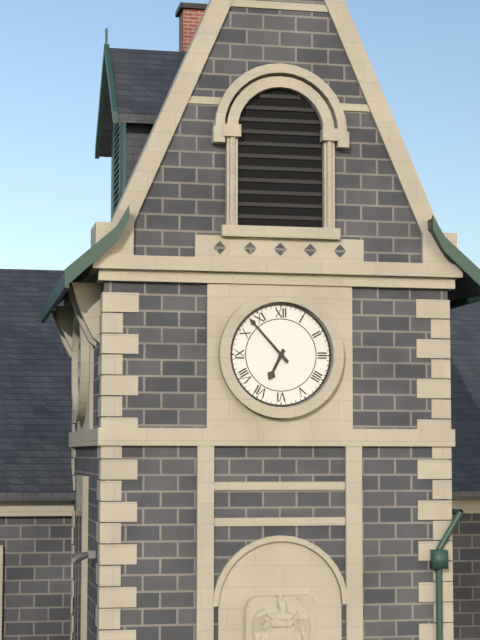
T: 6 h 53 min
